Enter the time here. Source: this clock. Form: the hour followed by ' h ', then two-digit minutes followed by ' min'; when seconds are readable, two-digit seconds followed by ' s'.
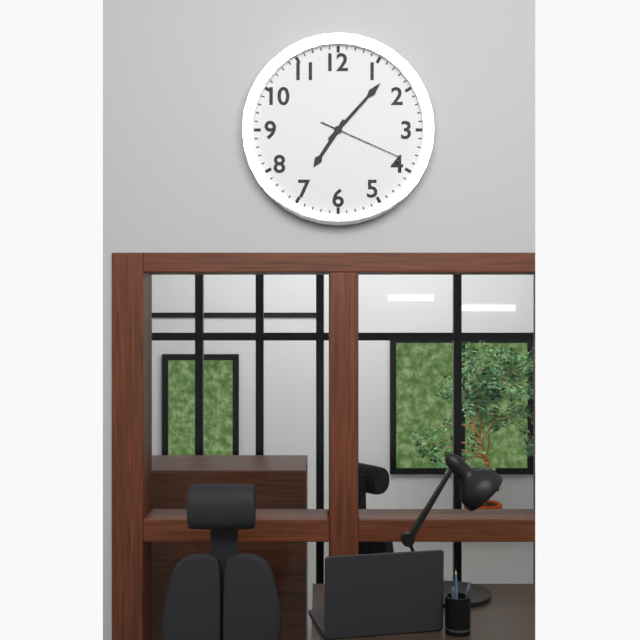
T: 7 h 07 min 19 s
